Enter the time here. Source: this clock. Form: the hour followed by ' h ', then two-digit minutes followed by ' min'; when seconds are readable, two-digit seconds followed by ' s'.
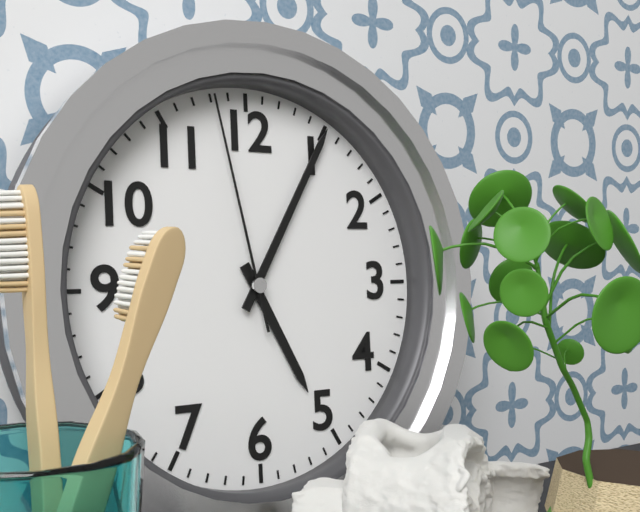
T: 5 h 05 min 58 s
